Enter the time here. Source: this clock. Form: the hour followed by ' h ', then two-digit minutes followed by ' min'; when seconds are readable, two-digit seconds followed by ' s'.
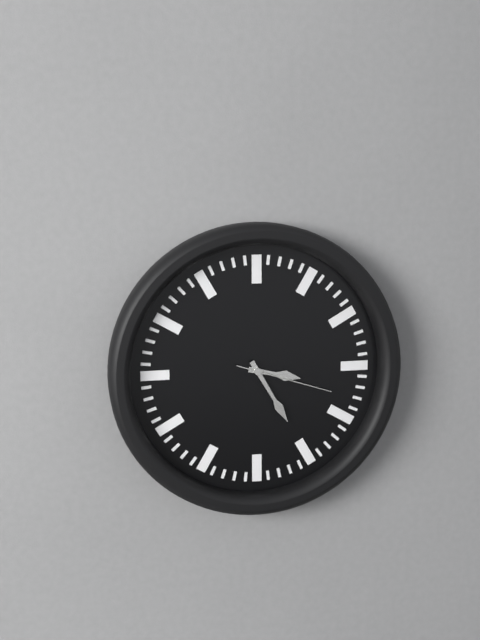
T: 3 h 25 min 18 s
